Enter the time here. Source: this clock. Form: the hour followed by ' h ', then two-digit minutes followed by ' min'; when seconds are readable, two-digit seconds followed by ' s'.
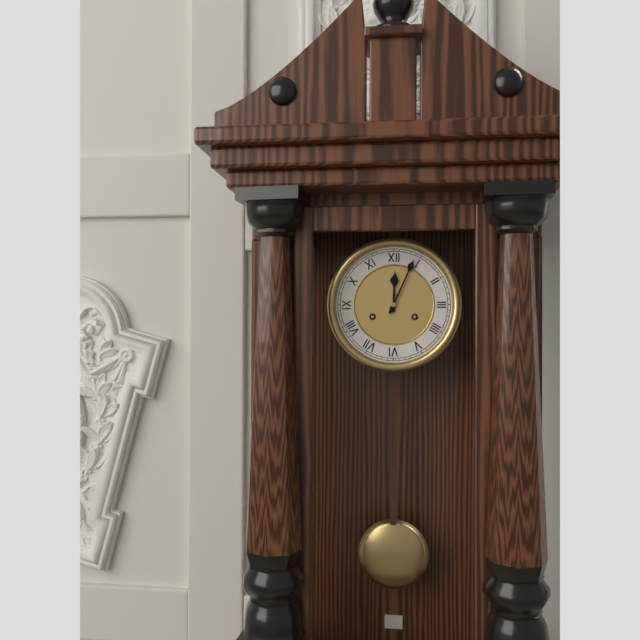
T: 12 h 04 min
